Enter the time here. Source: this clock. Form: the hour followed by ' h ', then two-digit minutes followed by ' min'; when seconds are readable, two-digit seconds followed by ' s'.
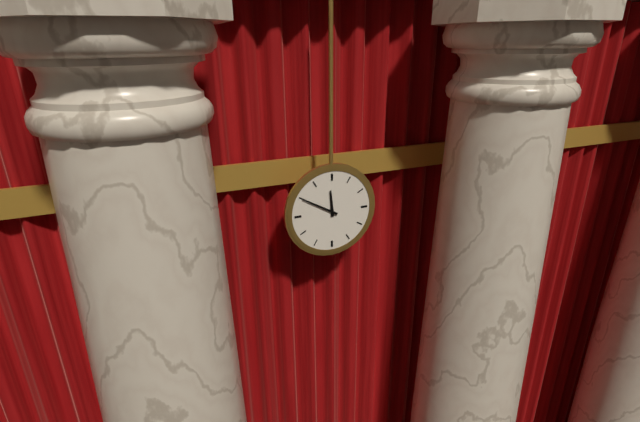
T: 11 h 50 min
